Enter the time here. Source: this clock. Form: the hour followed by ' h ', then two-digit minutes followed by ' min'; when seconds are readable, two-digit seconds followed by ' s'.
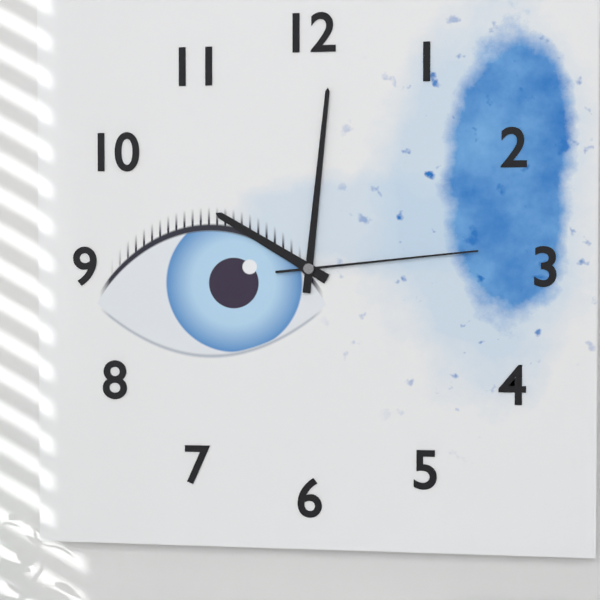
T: 10 h 01 min 14 s
